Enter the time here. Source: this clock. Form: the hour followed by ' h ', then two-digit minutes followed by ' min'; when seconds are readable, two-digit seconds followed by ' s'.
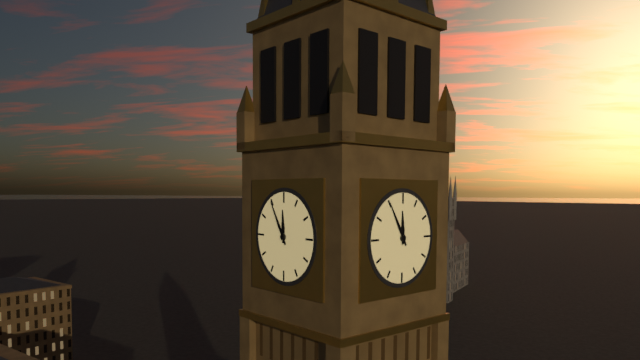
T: 11 h 55 min
